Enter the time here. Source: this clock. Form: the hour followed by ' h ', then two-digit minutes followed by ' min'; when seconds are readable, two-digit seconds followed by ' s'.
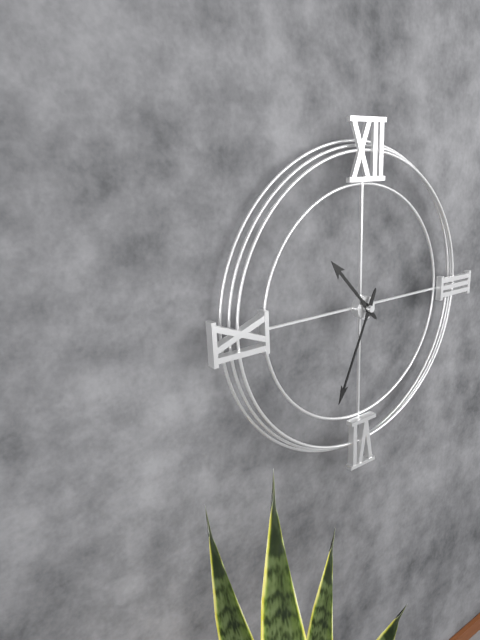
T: 10 h 34 min
